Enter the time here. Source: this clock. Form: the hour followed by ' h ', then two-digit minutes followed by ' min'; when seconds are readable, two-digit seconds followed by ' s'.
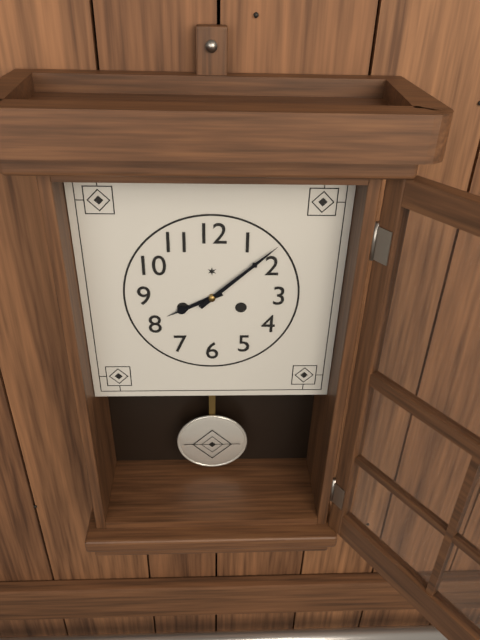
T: 8 h 08 min
